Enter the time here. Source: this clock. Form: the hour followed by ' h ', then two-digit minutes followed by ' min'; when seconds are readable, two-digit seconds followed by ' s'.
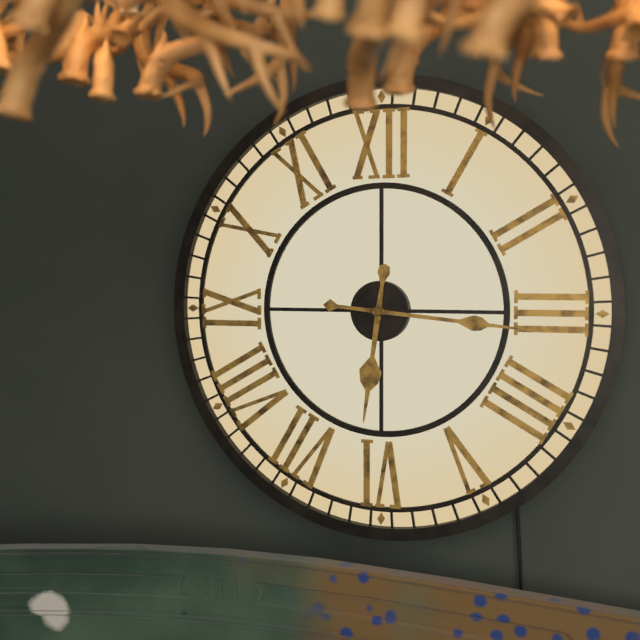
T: 6 h 16 min
